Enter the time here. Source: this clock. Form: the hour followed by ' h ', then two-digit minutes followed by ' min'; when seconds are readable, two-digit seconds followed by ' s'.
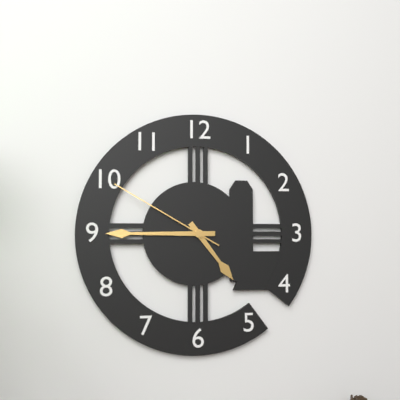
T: 4 h 45 min 50 s
